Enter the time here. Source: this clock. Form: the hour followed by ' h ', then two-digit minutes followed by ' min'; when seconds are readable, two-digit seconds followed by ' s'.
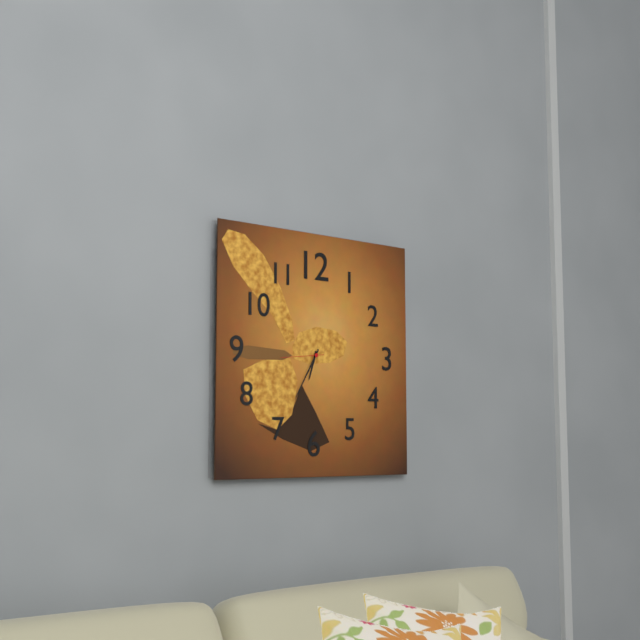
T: 6 h 35 min
